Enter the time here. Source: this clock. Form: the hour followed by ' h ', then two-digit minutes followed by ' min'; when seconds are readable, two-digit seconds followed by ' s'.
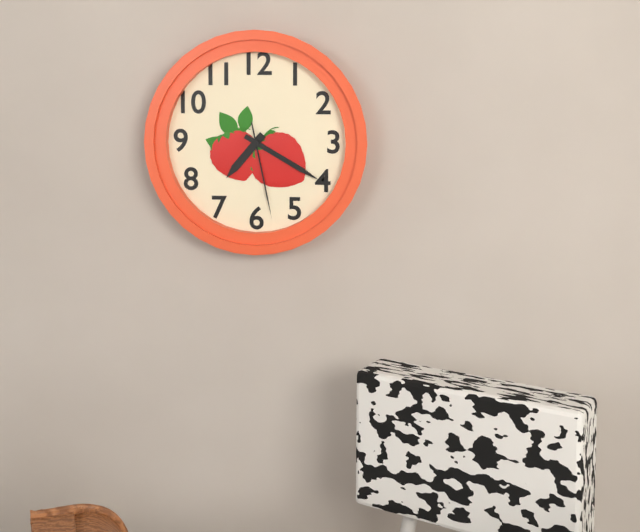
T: 7 h 20 min 28 s
